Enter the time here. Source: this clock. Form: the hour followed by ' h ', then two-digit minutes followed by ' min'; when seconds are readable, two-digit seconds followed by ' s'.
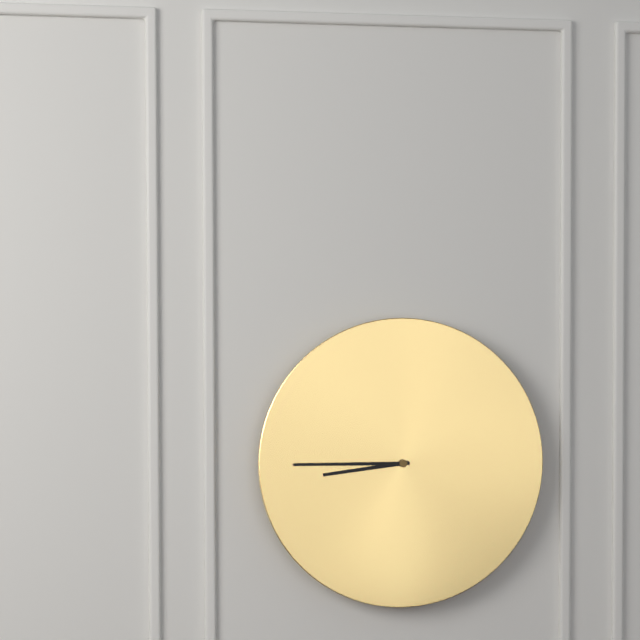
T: 8 h 45 min
